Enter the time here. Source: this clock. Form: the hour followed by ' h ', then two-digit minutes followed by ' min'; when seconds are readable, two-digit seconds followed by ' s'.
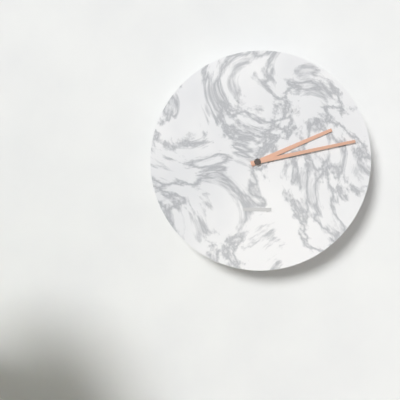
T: 2 h 13 min
